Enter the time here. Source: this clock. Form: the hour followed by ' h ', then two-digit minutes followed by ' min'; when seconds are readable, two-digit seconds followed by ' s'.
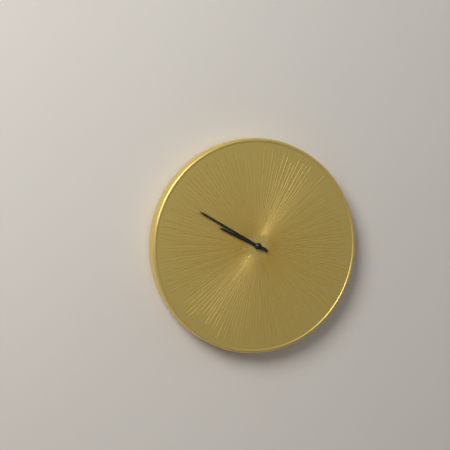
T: 9 h 50 min
